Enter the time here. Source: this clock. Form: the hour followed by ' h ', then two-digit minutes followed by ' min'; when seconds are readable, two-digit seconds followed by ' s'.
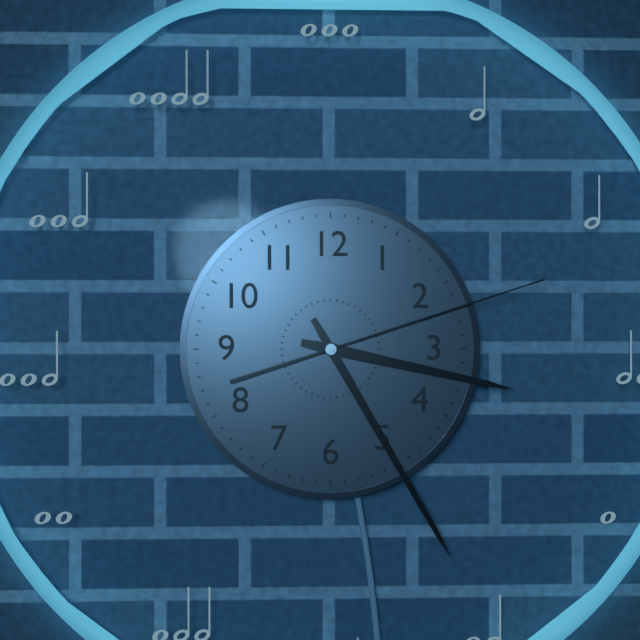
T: 3 h 25 min 12 s
